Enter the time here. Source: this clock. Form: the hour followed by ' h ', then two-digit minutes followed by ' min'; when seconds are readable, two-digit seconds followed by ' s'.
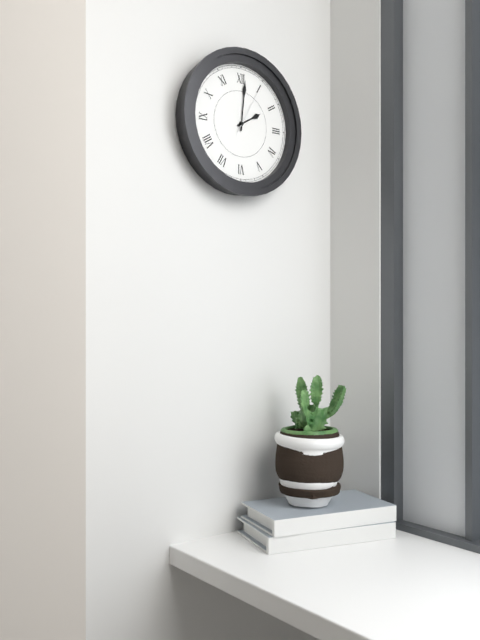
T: 2 h 01 min 05 s
